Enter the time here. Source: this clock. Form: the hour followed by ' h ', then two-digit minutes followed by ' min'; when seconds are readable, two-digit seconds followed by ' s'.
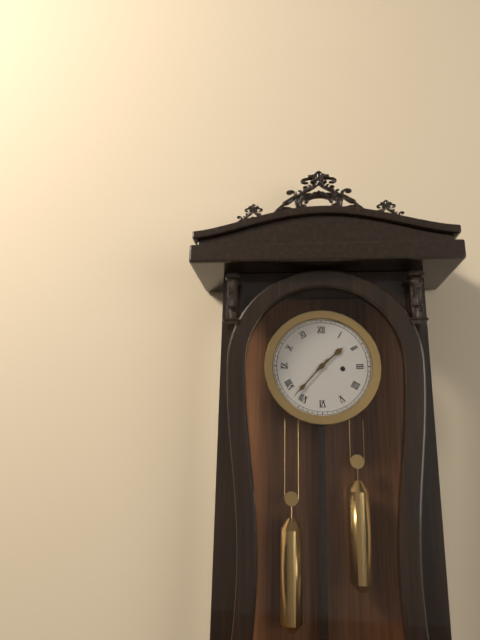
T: 1 h 37 min
